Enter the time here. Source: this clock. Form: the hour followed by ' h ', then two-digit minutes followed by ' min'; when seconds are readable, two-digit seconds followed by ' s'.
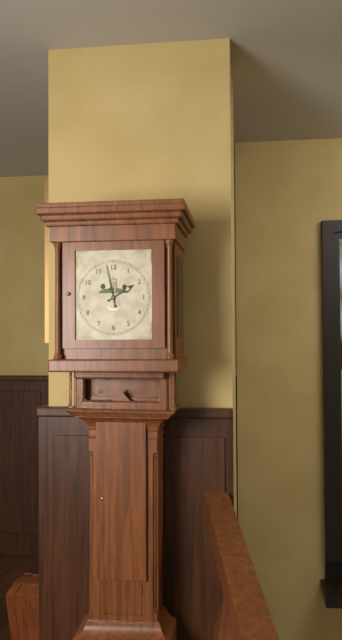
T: 1 h 58 min
